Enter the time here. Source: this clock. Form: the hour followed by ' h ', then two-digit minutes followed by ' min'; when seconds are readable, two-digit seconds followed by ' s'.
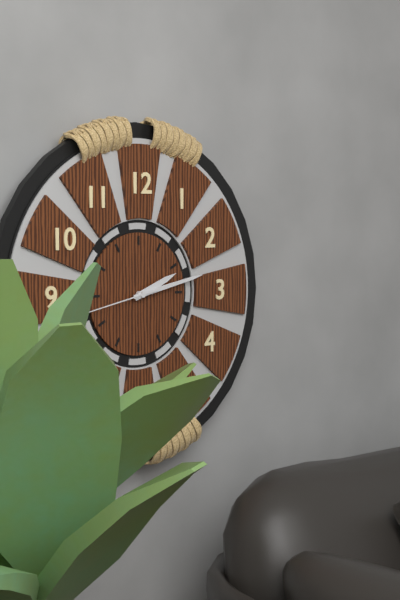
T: 2 h 13 min 43 s
